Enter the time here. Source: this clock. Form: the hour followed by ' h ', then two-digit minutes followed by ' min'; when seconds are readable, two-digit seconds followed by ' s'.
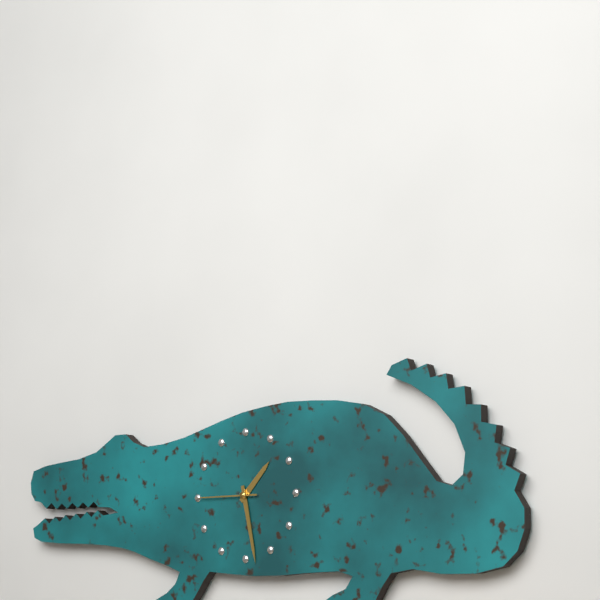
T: 1 h 28 min 45 s
